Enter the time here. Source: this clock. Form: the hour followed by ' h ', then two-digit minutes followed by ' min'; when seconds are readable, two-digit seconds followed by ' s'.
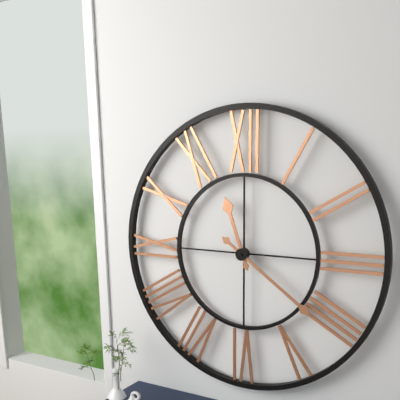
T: 11 h 21 min
